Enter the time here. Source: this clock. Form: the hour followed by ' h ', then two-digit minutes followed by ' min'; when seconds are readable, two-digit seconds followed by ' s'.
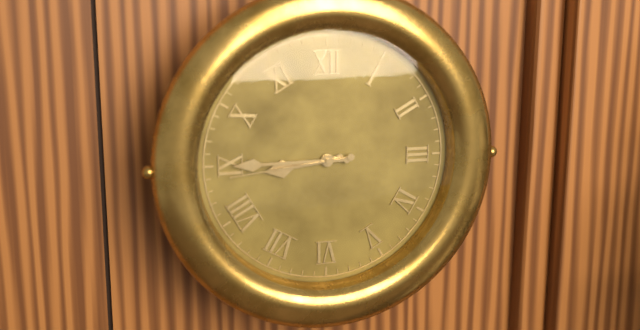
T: 8 h 45 min 44 s
